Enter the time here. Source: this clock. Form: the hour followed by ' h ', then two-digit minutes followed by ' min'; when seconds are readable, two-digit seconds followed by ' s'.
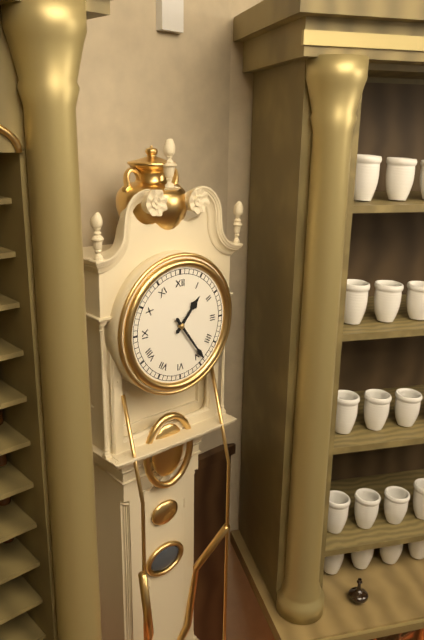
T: 1 h 24 min
